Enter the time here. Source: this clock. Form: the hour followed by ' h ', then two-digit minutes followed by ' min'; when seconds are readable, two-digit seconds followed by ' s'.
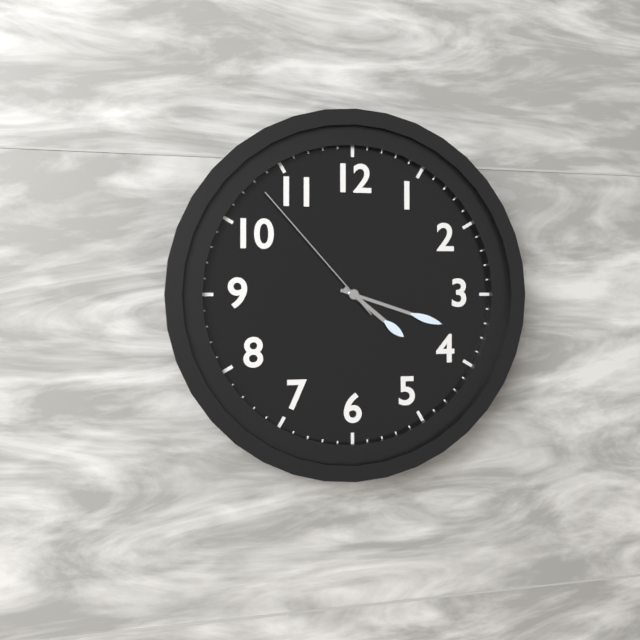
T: 4 h 18 min 53 s
